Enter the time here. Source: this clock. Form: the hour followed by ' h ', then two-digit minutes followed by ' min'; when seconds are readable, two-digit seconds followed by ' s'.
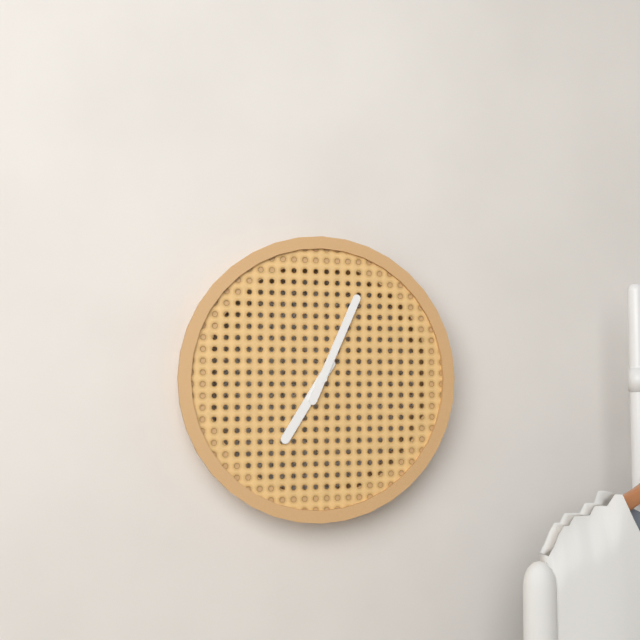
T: 7 h 04 min
